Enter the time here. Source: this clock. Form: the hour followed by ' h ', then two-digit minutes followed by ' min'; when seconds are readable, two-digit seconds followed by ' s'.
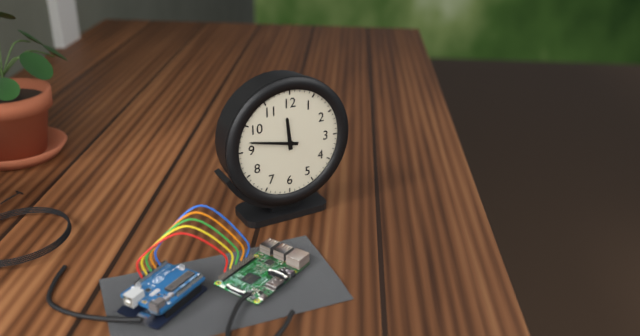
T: 11 h 47 min
